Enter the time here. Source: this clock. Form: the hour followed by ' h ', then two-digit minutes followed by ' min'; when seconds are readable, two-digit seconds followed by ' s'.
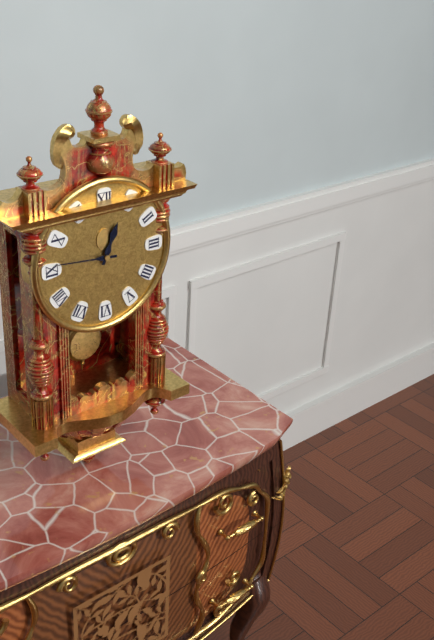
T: 12 h 46 min
